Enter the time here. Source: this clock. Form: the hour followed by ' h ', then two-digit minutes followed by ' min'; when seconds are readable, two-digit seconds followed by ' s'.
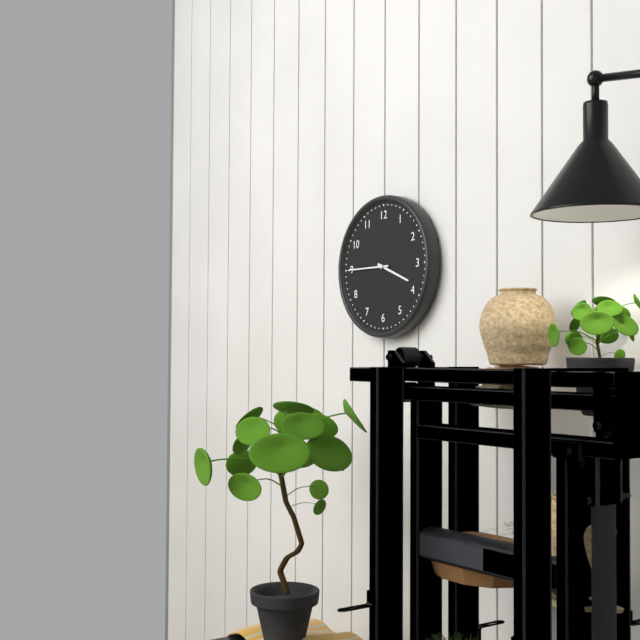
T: 3 h 45 min
